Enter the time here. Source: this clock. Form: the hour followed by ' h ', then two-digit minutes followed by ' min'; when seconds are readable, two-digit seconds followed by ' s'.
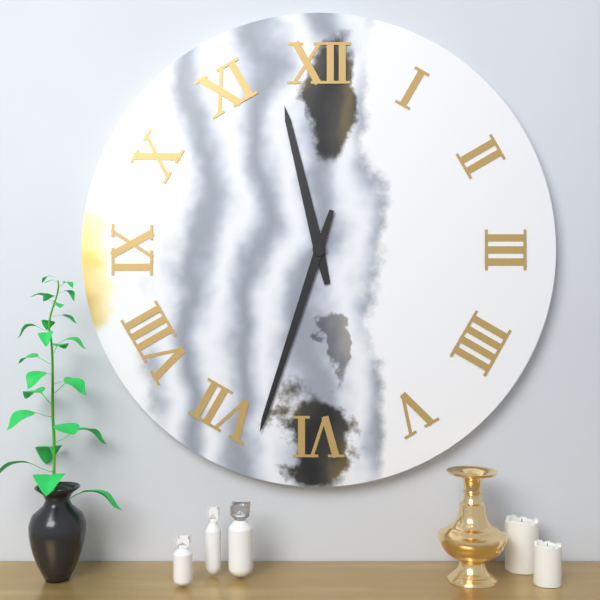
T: 11 h 33 min
